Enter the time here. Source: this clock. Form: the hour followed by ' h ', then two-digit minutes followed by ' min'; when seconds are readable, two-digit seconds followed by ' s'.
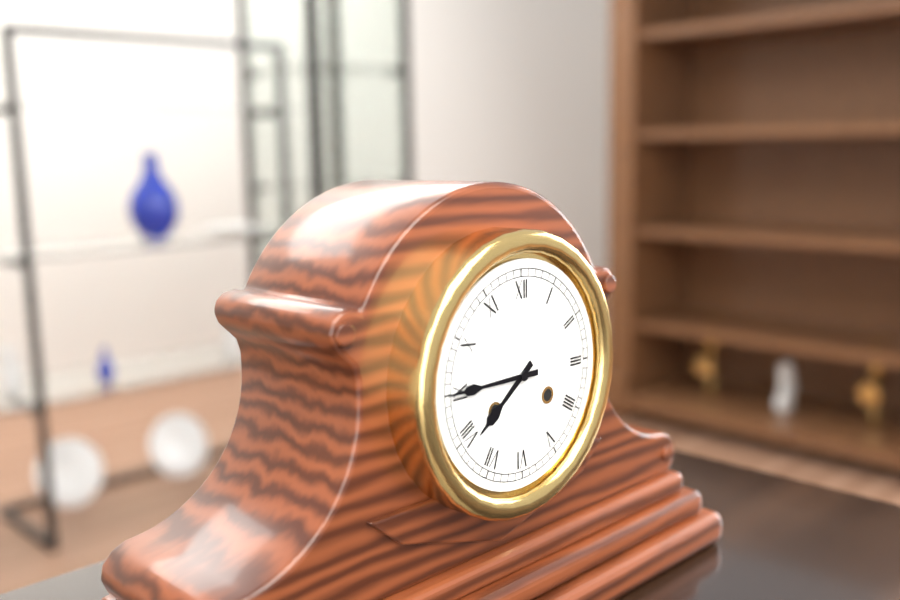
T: 7 h 45 min
